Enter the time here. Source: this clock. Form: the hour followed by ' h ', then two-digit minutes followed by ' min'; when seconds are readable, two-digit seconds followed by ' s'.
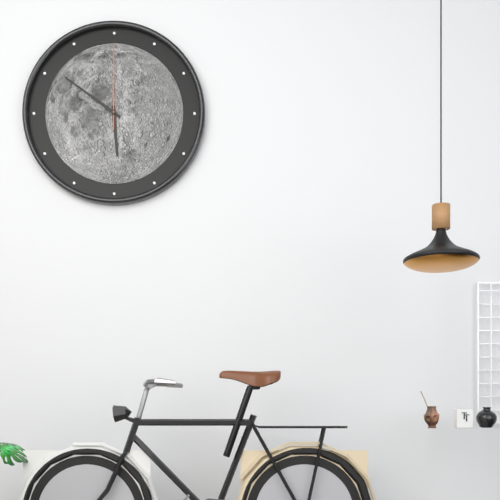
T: 5 h 51 min 00 s
